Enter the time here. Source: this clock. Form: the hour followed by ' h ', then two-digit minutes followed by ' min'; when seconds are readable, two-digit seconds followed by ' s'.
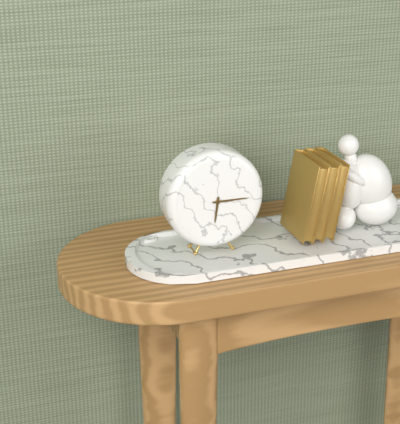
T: 6 h 15 min
